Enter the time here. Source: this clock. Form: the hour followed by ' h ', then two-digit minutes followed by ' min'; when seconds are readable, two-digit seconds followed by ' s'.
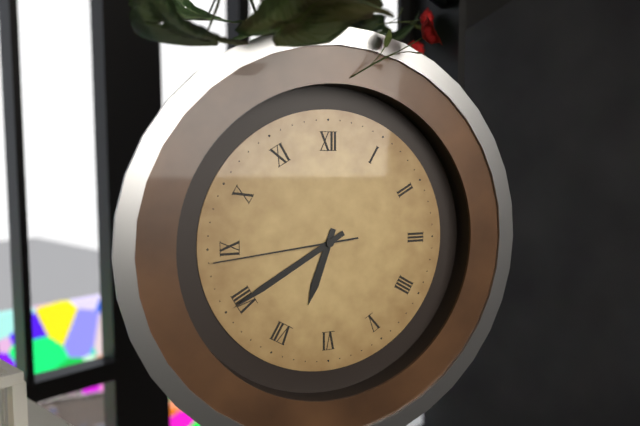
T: 6 h 40 min 44 s
